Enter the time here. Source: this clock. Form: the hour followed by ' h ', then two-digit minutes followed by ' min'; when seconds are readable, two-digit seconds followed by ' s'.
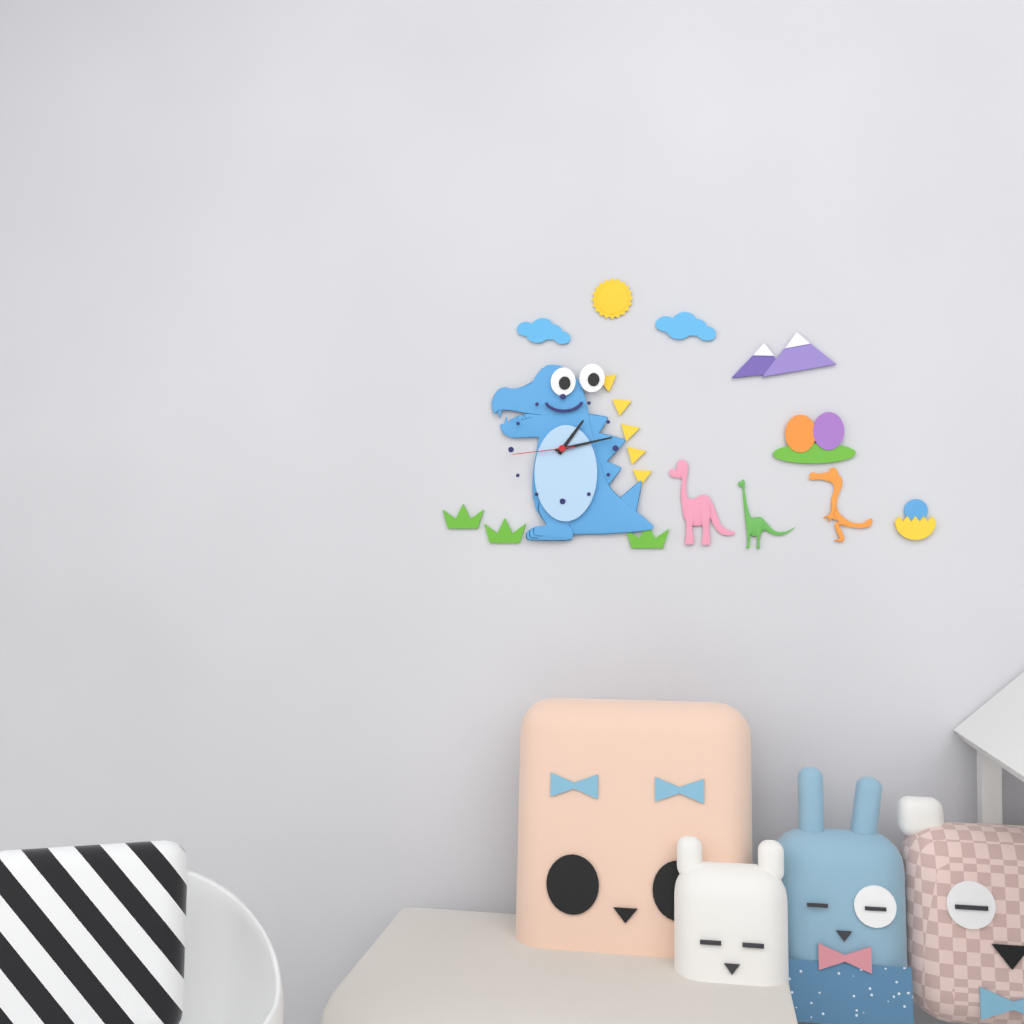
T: 1 h 13 min 44 s
